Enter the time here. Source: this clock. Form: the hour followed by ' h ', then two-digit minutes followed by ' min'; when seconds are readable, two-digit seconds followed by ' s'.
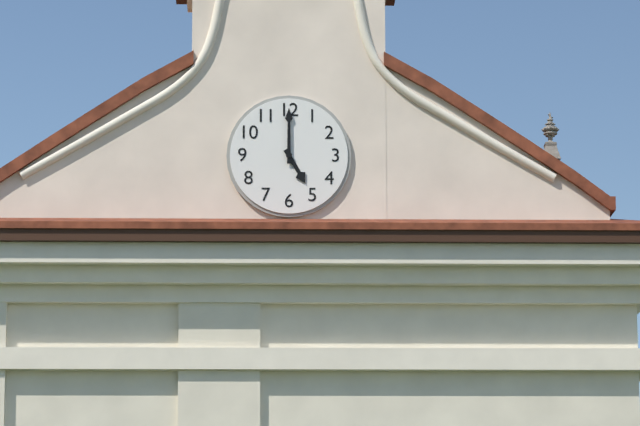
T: 5 h 00 min
